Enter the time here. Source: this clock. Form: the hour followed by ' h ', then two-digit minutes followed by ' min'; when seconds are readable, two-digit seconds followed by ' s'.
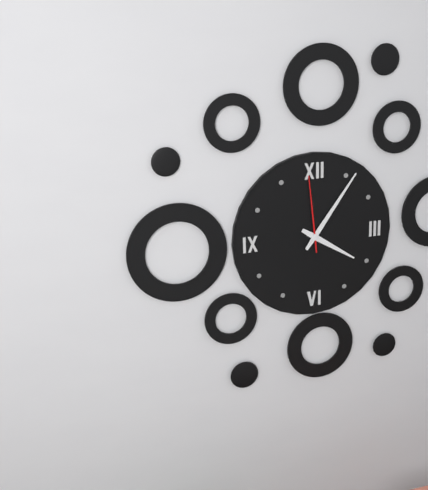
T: 4 h 06 min 59 s
